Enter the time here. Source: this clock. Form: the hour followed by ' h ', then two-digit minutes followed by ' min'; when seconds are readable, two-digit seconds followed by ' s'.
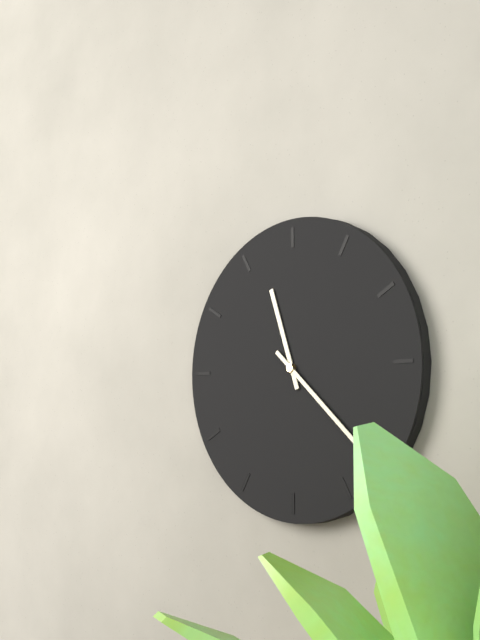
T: 11 h 22 min
